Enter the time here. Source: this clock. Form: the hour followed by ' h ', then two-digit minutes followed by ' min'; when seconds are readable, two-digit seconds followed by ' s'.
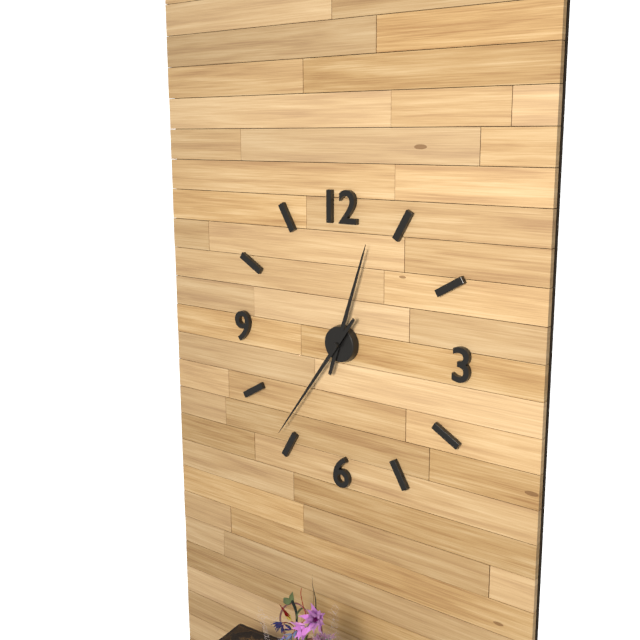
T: 12 h 36 min
